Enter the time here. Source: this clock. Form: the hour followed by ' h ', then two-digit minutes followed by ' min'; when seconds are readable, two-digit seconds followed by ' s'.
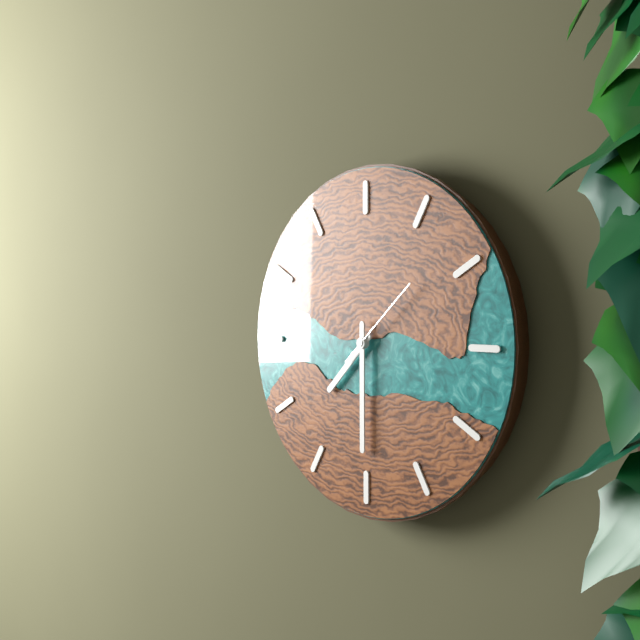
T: 7 h 30 min 08 s
